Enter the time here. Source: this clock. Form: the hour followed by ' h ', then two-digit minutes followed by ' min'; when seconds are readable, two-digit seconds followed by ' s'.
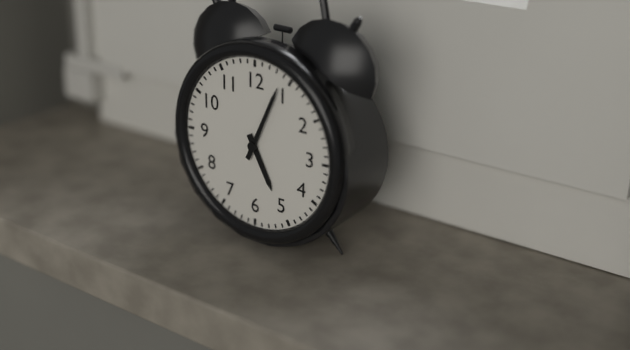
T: 5 h 04 min
